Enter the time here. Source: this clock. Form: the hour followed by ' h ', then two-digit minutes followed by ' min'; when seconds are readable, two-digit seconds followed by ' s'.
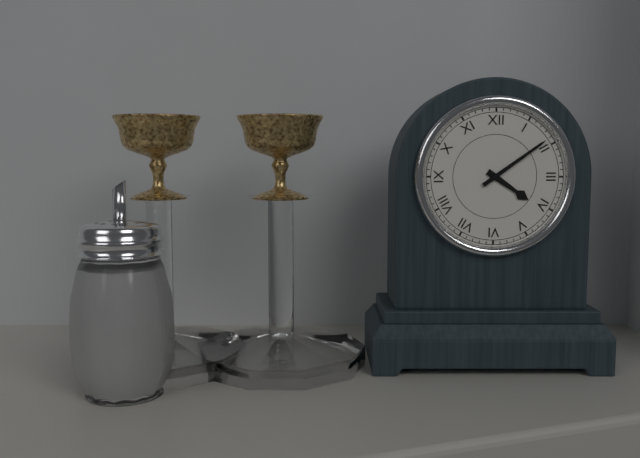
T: 4 h 09 min
